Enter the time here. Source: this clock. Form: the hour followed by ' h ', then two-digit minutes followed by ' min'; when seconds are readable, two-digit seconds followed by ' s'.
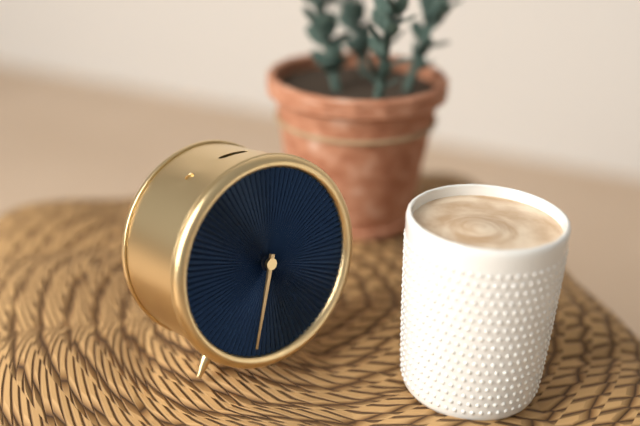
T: 6 h 33 min
